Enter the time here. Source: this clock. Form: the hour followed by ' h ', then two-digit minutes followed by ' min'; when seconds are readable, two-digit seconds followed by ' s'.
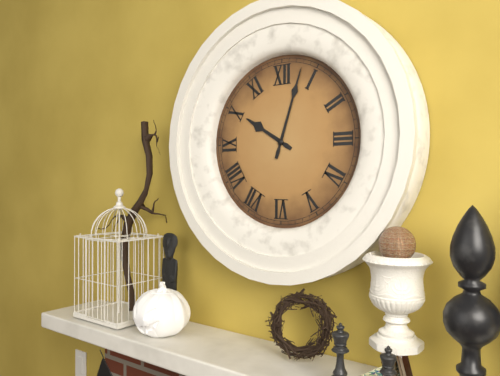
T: 10 h 03 min
